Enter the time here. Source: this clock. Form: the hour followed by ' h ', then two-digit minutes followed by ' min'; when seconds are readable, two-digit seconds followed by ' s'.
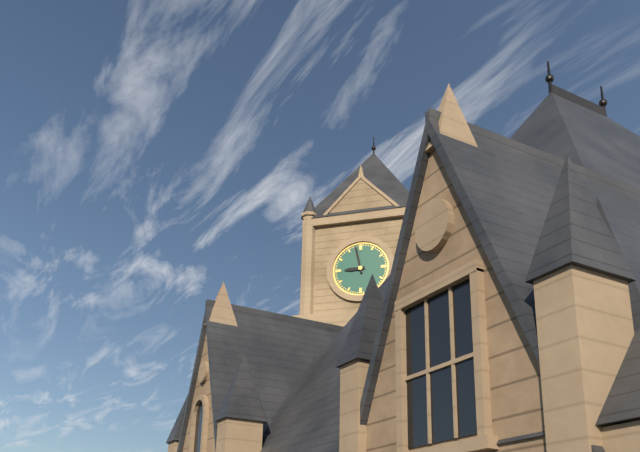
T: 8 h 58 min
